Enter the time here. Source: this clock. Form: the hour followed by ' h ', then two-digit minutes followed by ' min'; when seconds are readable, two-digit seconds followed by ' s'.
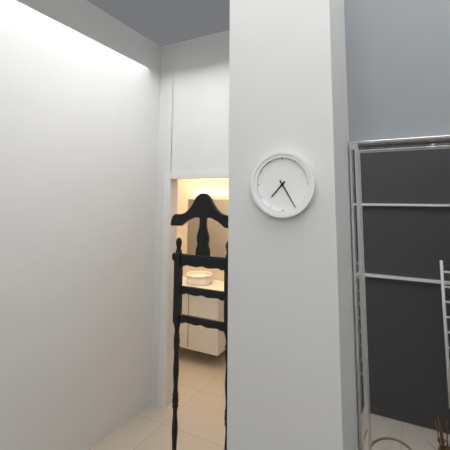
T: 7 h 25 min
